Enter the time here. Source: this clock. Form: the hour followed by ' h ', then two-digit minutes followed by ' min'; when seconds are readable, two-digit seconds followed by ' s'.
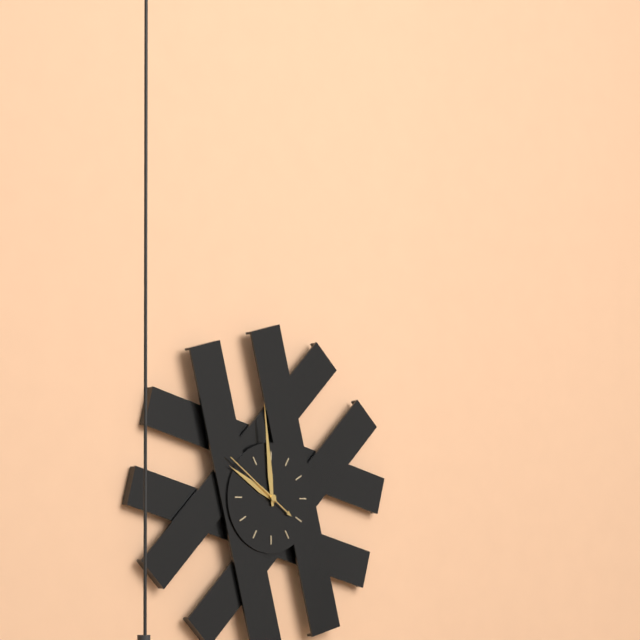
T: 9 h 59 min 51 s
